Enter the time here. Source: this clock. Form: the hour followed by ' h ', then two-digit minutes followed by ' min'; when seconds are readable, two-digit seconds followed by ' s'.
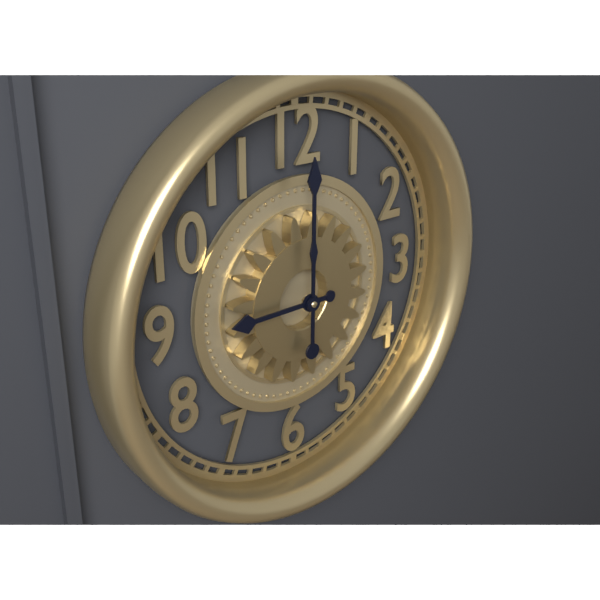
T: 9 h 00 min
